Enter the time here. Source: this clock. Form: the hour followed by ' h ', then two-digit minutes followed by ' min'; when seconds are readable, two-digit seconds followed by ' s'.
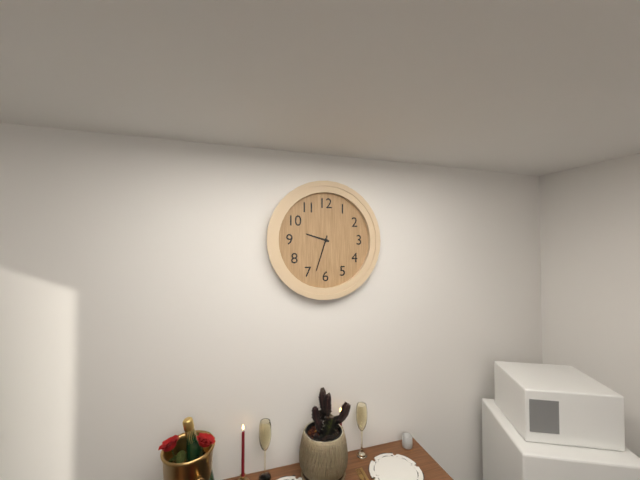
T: 9 h 33 min
